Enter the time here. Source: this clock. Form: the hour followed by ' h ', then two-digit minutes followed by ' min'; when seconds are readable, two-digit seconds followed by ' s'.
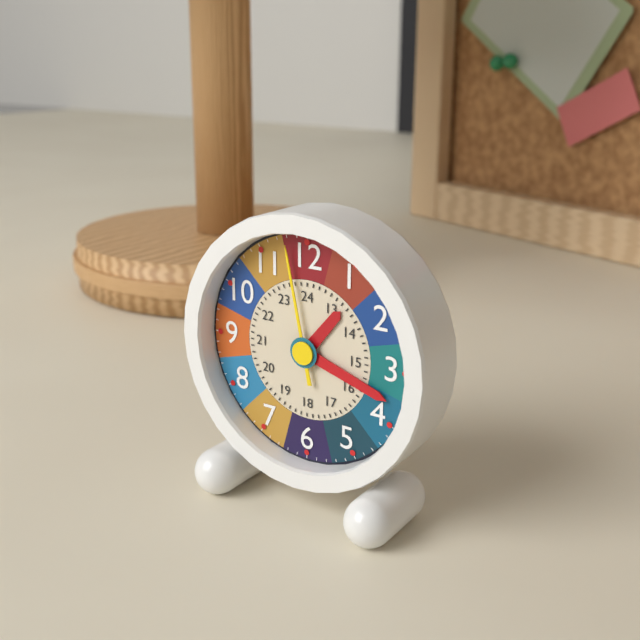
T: 1 h 18 min 58 s
